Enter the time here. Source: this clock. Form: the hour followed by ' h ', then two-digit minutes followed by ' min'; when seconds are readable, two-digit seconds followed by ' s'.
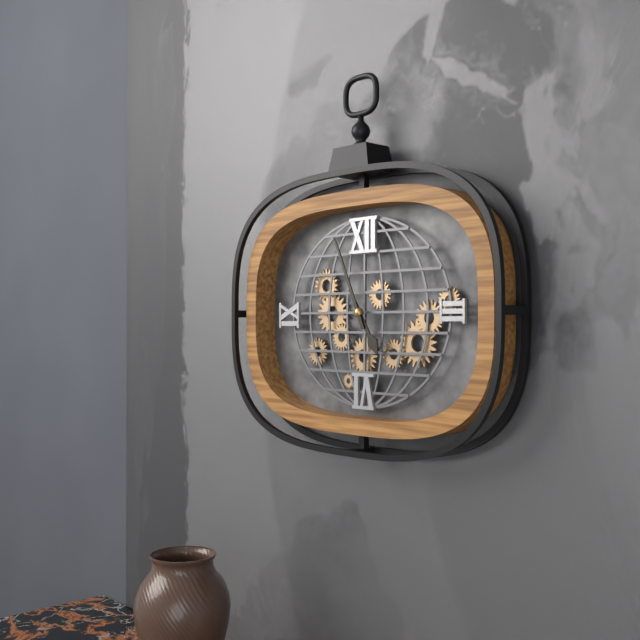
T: 4 h 56 min
